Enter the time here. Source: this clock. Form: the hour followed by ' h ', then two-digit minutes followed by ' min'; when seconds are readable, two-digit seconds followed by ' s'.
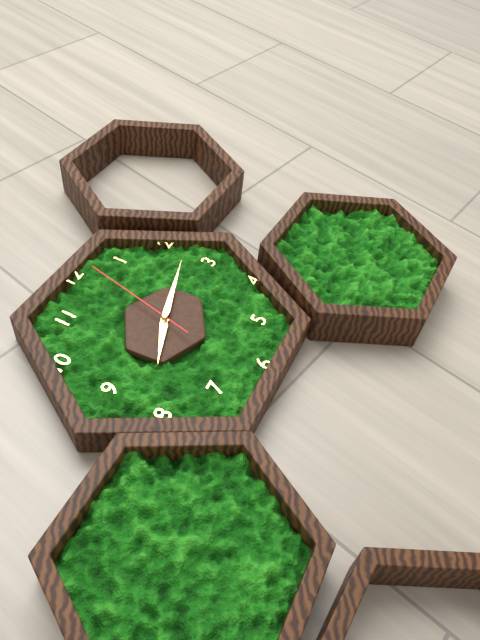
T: 8 h 12 min 02 s
